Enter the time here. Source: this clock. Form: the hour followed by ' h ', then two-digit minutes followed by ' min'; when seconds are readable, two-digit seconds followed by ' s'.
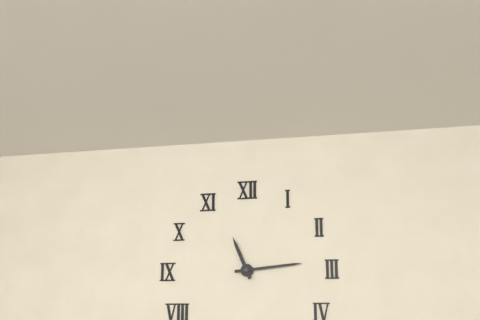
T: 11 h 14 min
